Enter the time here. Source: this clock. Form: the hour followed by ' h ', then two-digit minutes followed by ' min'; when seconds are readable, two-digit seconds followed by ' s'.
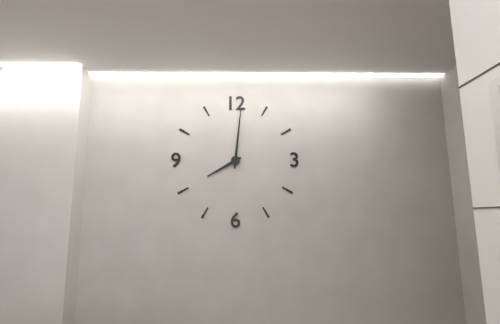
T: 8 h 01 min
